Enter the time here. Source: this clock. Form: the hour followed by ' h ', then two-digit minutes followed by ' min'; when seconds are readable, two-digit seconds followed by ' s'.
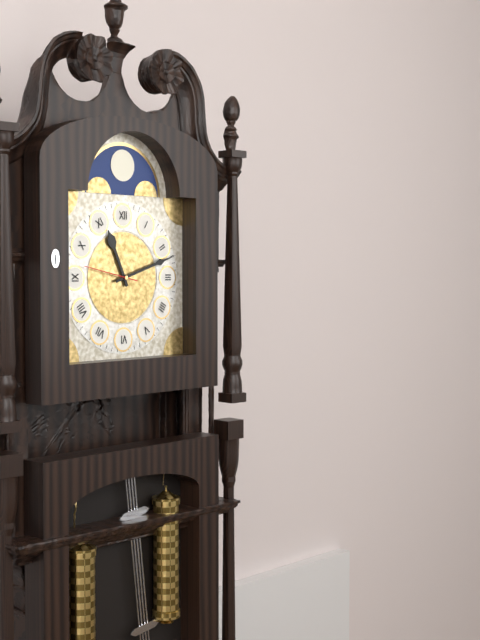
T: 11 h 12 min 47 s
